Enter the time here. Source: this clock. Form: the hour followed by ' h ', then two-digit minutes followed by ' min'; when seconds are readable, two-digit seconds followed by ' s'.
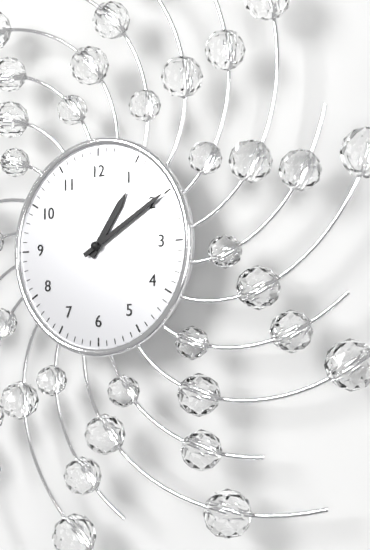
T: 1 h 10 min
